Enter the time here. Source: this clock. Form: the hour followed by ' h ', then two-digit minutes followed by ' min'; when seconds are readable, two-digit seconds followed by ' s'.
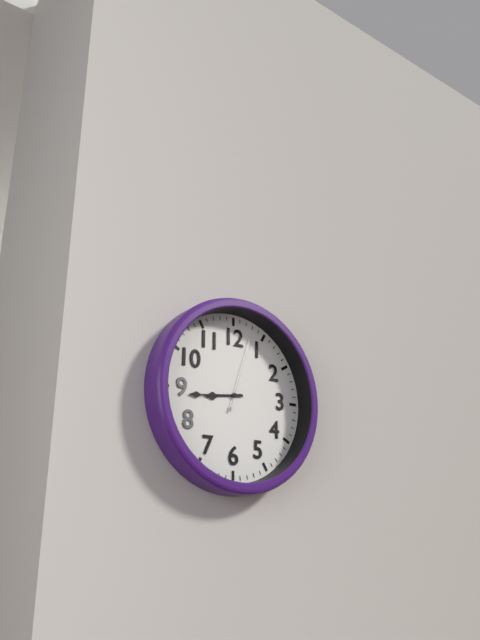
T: 8 h 44 min 03 s
